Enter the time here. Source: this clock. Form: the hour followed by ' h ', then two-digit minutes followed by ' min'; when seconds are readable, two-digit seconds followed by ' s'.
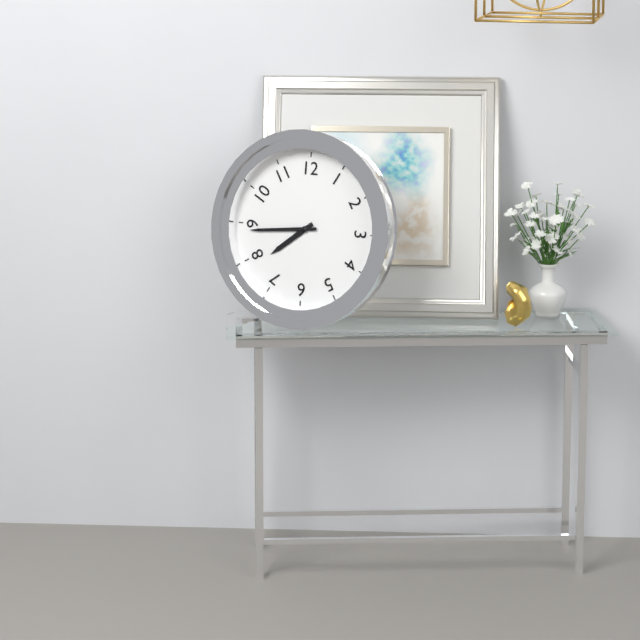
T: 7 h 44 min
